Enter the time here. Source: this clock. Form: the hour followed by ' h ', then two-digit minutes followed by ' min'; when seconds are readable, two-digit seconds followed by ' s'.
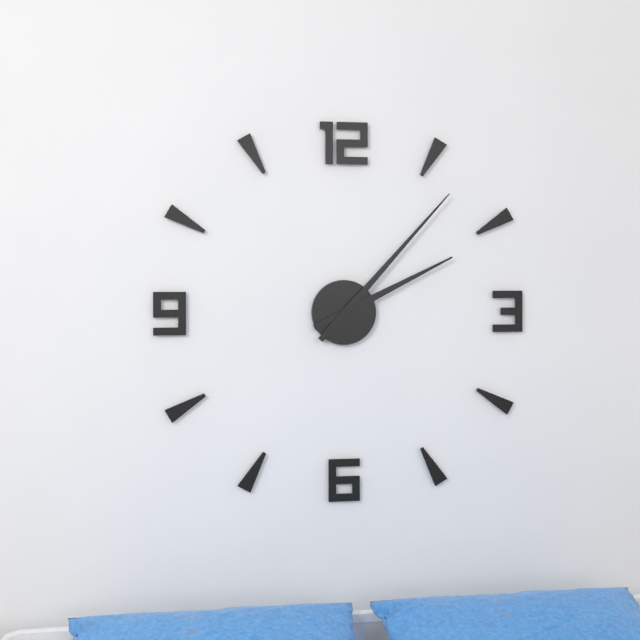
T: 2 h 07 min
